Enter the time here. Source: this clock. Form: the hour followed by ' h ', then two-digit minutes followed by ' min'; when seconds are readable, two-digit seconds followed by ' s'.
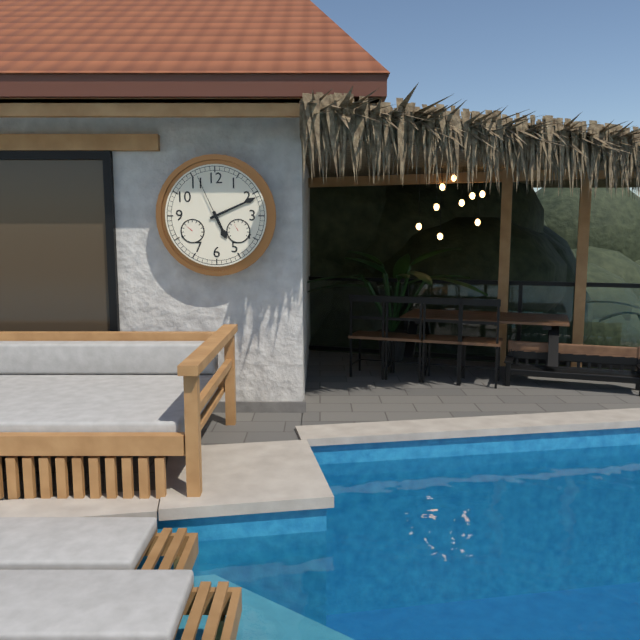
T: 5 h 11 min 56 s
